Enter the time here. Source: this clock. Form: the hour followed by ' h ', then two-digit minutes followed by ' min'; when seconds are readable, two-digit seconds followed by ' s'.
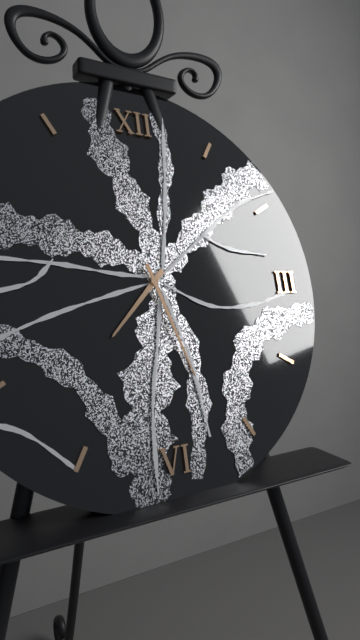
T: 7 h 27 min
